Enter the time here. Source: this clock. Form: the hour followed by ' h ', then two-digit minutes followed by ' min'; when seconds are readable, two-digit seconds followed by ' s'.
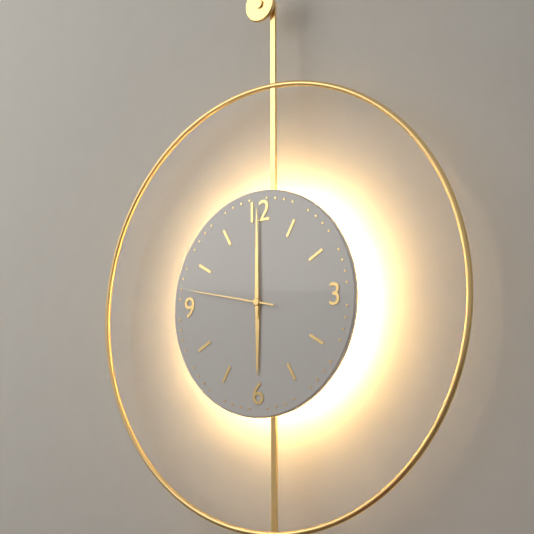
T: 6 h 00 min 47 s
